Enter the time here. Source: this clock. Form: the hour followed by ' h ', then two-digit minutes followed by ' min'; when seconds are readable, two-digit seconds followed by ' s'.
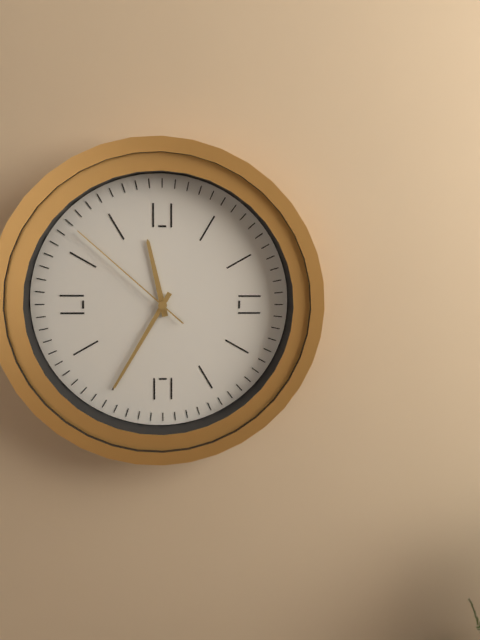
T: 11 h 35 min 52 s
